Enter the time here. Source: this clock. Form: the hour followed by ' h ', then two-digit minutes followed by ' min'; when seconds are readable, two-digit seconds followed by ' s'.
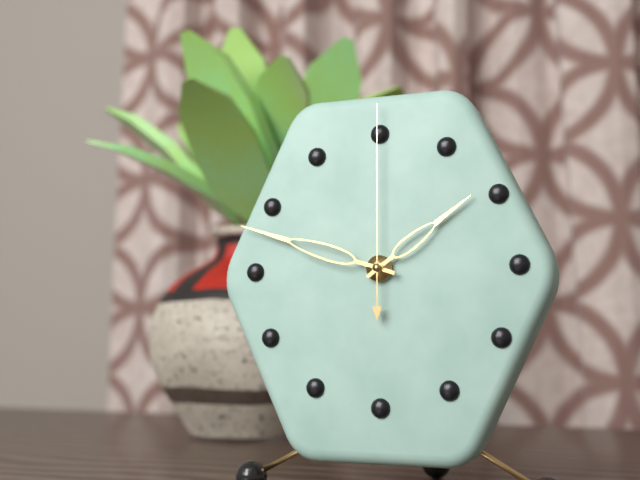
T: 1 h 48 min 00 s
